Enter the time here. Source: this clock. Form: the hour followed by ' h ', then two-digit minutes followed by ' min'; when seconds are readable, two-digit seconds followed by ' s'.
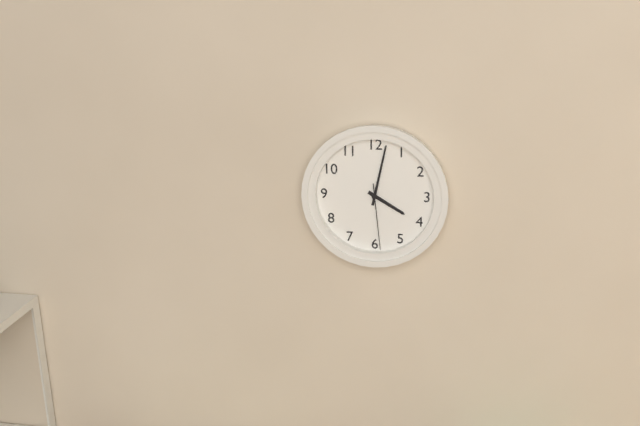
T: 4 h 02 min 29 s
